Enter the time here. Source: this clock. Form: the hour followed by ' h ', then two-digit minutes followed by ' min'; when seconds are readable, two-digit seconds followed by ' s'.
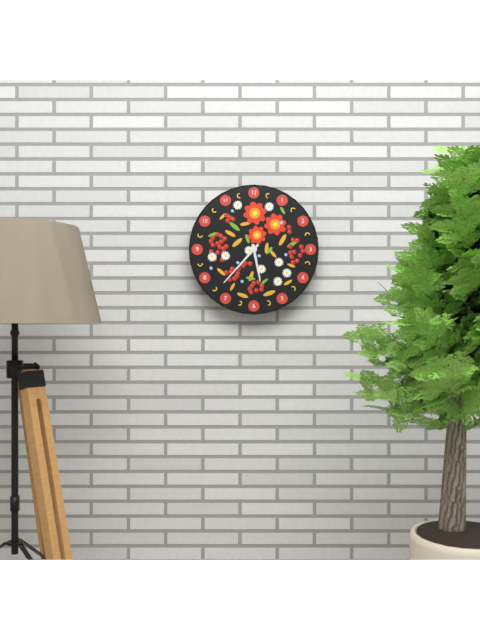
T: 5 h 37 min
